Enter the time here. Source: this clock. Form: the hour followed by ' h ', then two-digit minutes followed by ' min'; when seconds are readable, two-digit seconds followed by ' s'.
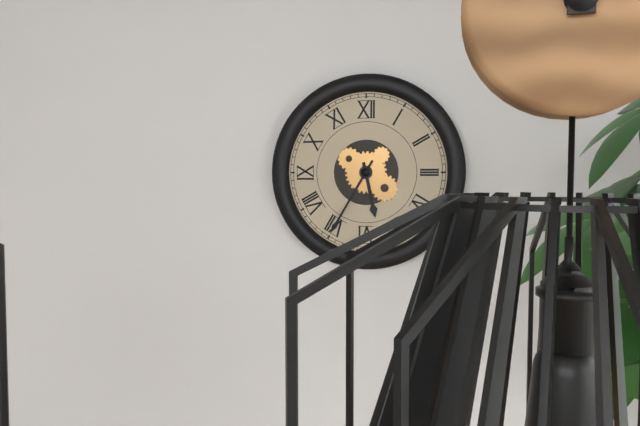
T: 5 h 35 min
